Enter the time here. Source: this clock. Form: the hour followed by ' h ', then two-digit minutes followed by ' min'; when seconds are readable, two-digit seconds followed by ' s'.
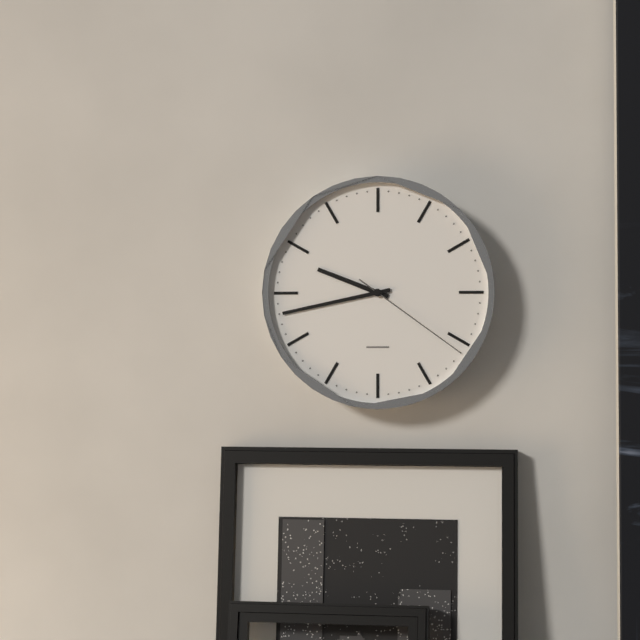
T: 9 h 43 min 21 s
